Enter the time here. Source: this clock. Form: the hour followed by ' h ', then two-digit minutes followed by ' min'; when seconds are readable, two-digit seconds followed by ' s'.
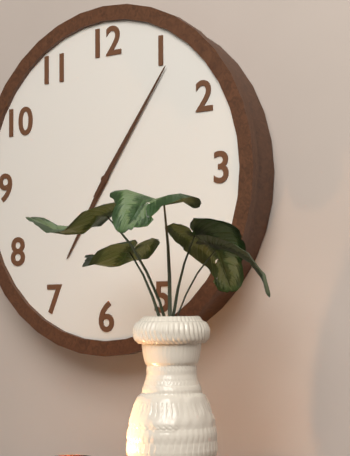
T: 7 h 06 min
